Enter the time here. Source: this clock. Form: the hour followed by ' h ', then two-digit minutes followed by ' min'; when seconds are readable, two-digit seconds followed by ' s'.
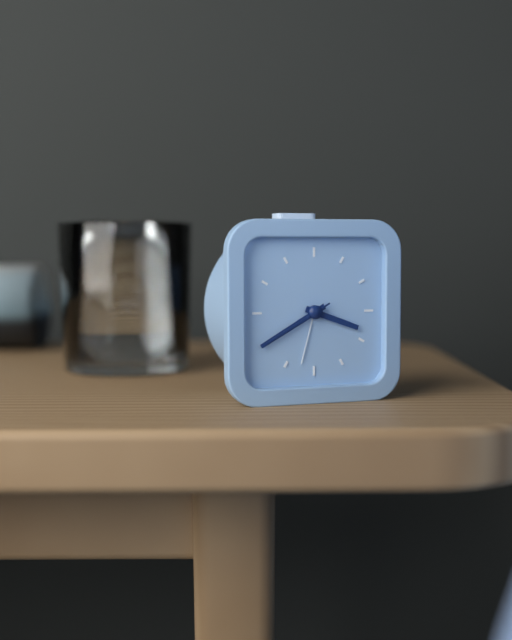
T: 3 h 40 min 40 s
